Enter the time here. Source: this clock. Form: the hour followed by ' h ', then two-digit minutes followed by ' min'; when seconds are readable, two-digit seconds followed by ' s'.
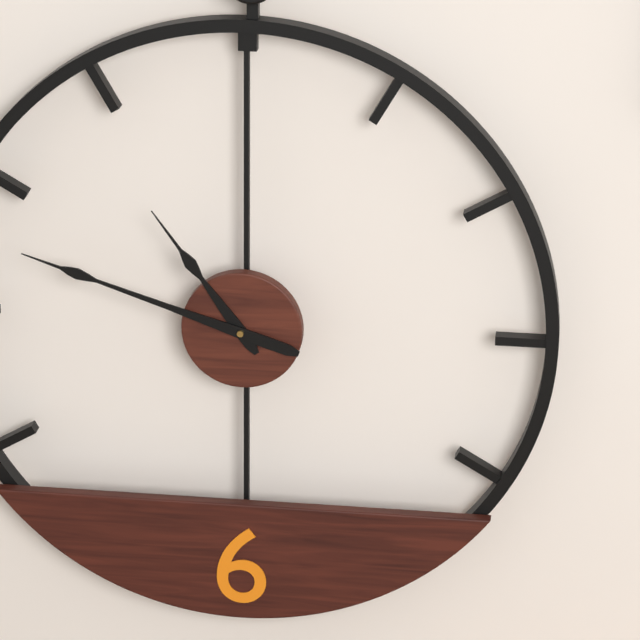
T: 10 h 48 min
